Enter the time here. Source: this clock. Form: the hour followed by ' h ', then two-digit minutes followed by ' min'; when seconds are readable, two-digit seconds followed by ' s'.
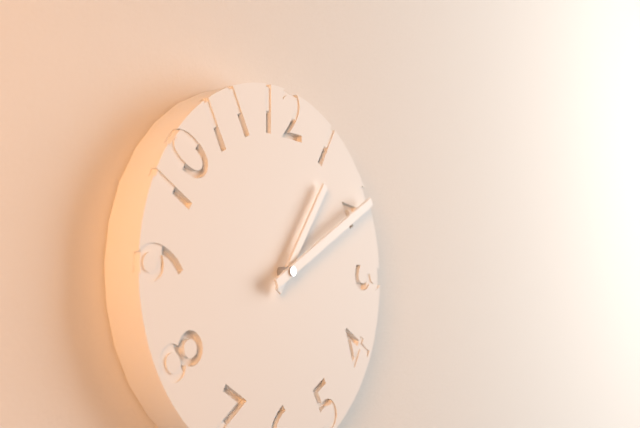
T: 1 h 10 min
